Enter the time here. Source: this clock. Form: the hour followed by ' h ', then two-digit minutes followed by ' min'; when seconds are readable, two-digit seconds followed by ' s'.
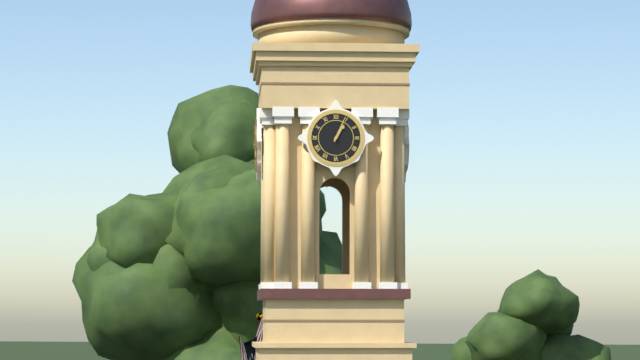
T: 1 h 04 min
